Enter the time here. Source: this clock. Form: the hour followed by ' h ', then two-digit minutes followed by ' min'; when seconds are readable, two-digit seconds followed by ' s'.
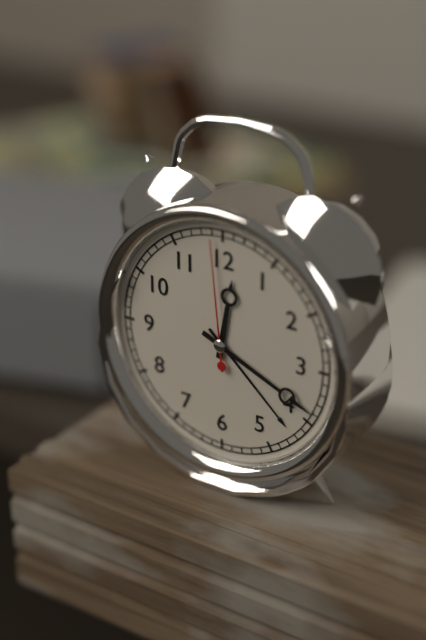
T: 12 h 19 min 59 s
